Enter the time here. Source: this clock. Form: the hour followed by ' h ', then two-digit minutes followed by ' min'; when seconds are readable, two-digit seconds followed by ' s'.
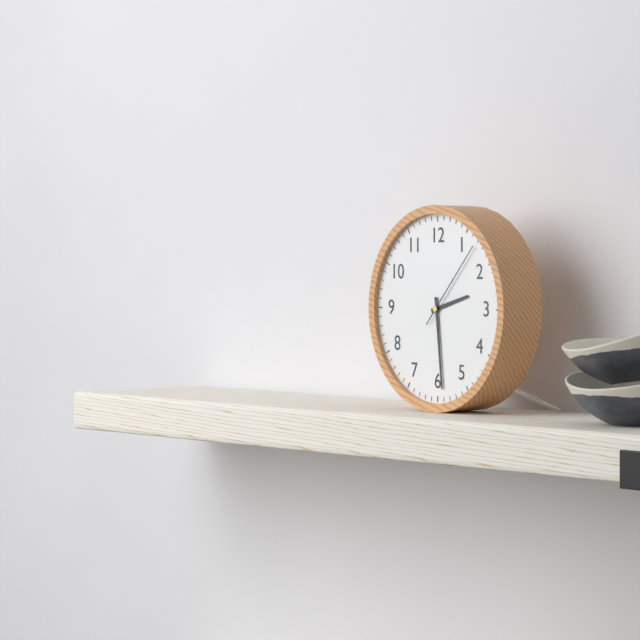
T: 2 h 29 min 07 s
